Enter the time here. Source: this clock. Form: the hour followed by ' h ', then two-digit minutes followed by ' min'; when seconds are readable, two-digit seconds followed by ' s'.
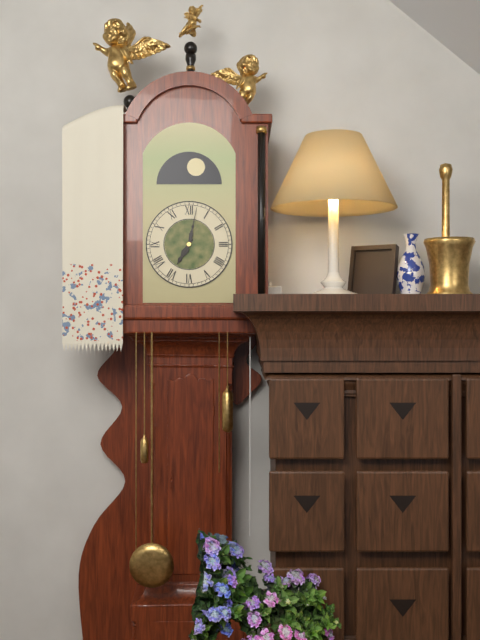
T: 7 h 02 min
